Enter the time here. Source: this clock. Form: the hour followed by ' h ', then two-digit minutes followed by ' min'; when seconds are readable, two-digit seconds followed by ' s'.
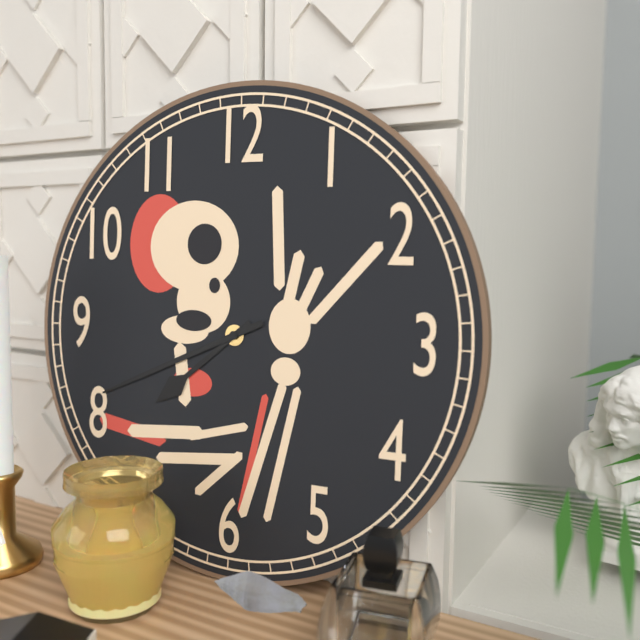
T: 7 h 41 min
